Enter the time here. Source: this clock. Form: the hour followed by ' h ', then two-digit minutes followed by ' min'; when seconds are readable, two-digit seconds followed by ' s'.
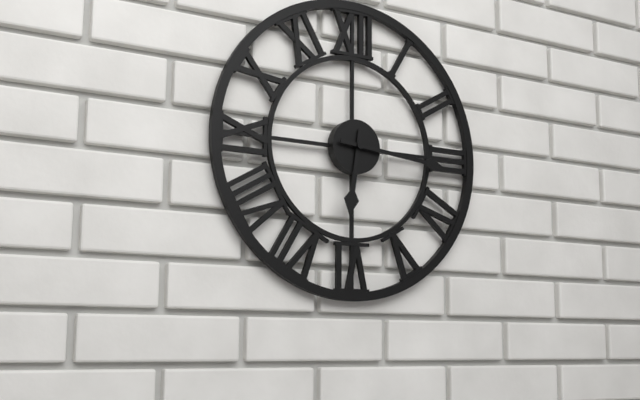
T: 6 h 16 min
